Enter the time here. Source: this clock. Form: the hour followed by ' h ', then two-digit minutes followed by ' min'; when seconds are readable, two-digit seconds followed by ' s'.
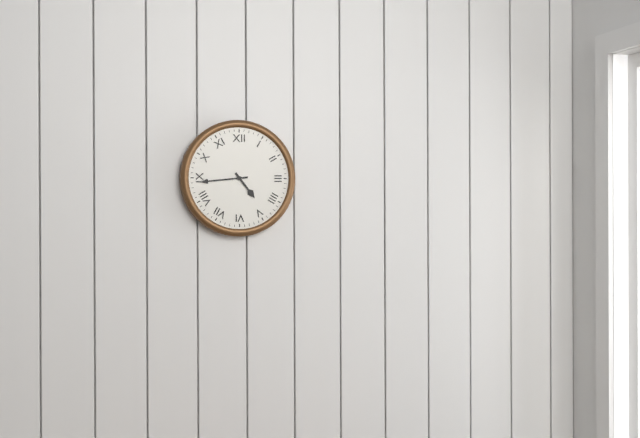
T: 4 h 44 min
